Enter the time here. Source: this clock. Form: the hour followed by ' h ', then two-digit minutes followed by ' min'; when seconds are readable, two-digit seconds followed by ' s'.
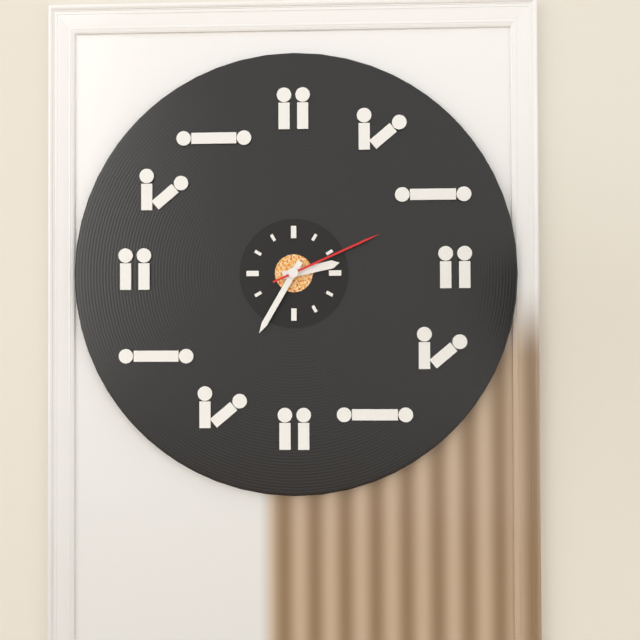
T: 2 h 35 min 11 s
